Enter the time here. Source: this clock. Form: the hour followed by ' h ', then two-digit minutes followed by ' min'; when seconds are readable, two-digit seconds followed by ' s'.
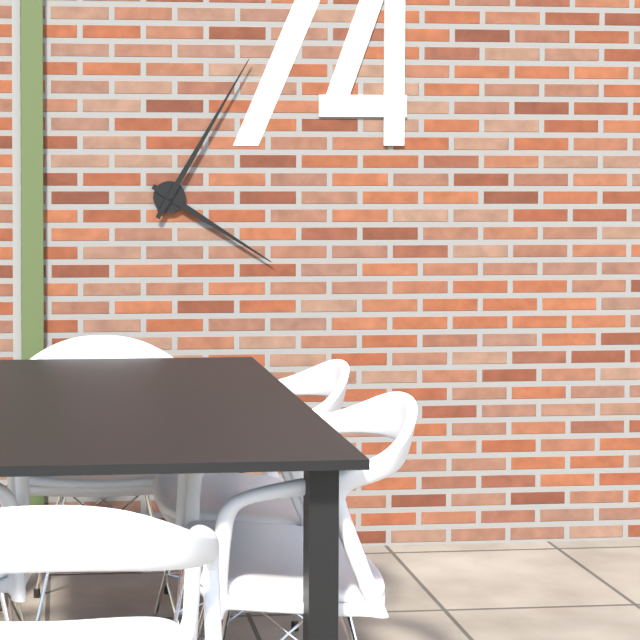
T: 4 h 05 min
